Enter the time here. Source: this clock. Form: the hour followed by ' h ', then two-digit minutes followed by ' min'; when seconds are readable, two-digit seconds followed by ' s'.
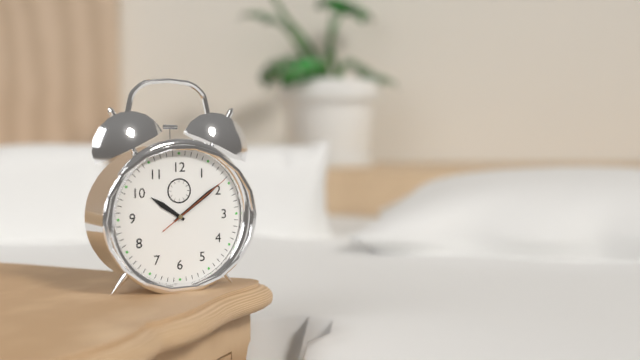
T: 10 h 09 min 09 s
